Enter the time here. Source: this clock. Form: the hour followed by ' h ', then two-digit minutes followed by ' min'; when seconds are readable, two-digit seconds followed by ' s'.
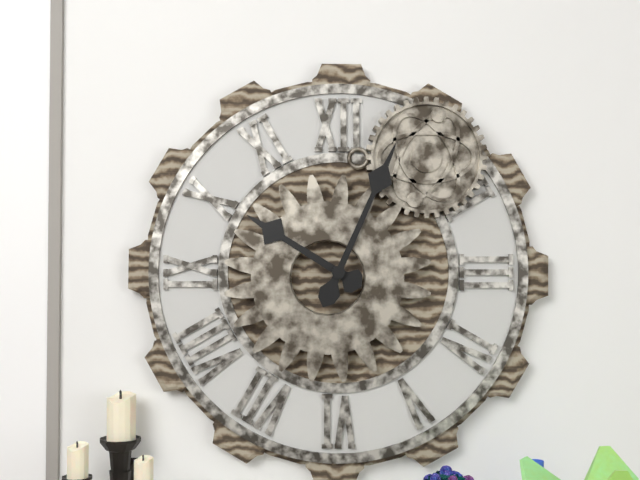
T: 10 h 04 min
